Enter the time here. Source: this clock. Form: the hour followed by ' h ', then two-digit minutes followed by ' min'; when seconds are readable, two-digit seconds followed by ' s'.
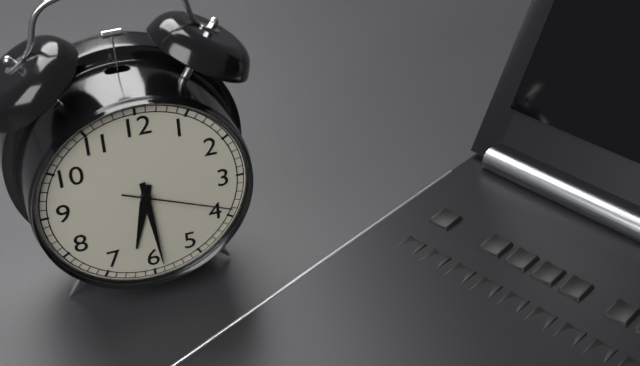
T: 6 h 29 min 19 s
